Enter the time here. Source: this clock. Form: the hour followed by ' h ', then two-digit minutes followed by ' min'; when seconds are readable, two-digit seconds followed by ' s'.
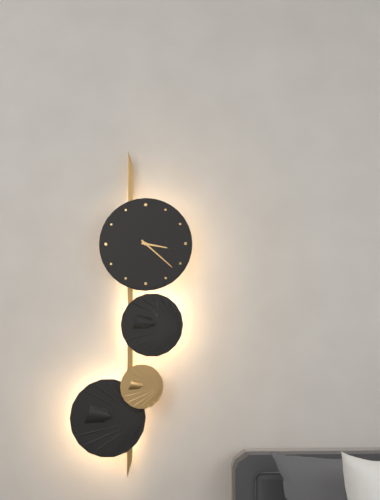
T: 3 h 22 min
